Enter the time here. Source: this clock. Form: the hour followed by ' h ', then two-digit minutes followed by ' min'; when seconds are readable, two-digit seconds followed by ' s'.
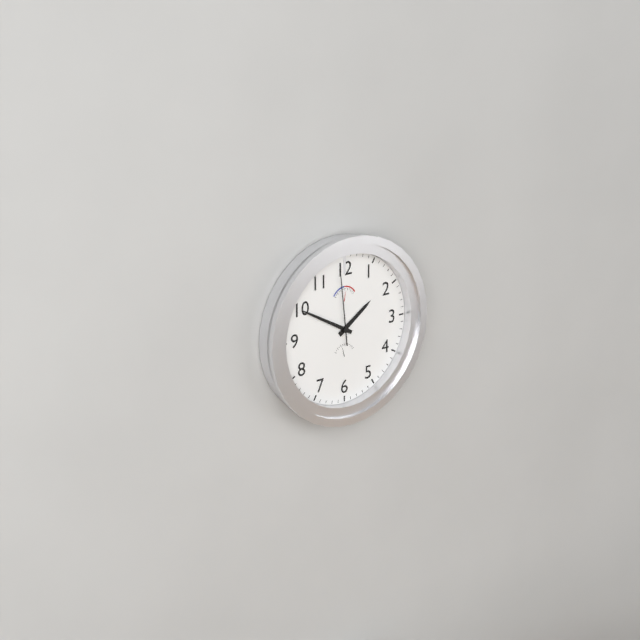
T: 1 h 50 min 59 s
